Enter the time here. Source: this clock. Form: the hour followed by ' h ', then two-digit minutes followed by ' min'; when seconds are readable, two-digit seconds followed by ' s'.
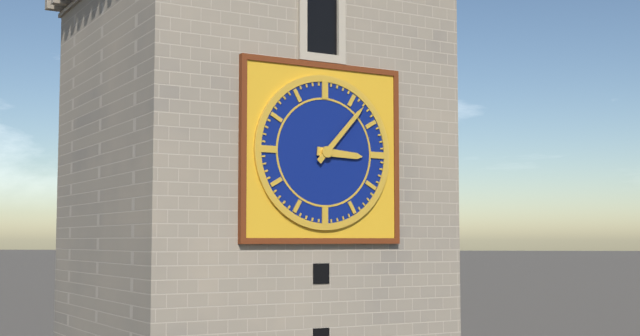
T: 3 h 07 min
